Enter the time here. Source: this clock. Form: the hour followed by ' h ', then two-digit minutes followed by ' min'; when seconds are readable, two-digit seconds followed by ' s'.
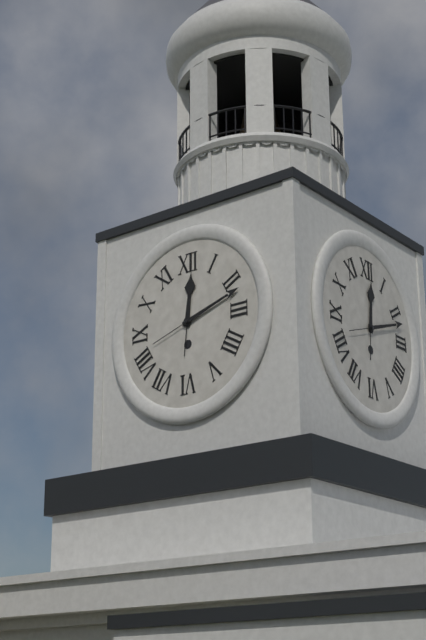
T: 12 h 12 min
